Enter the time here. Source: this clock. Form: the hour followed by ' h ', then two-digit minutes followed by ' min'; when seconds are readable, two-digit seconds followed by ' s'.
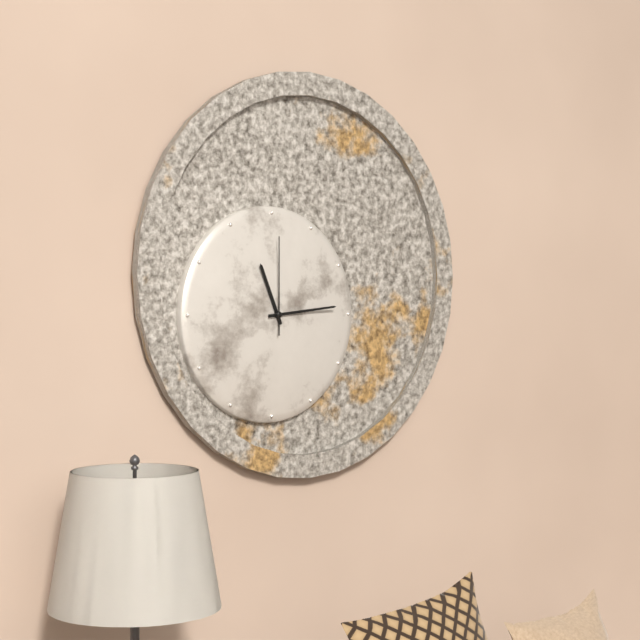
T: 11 h 14 min 00 s
